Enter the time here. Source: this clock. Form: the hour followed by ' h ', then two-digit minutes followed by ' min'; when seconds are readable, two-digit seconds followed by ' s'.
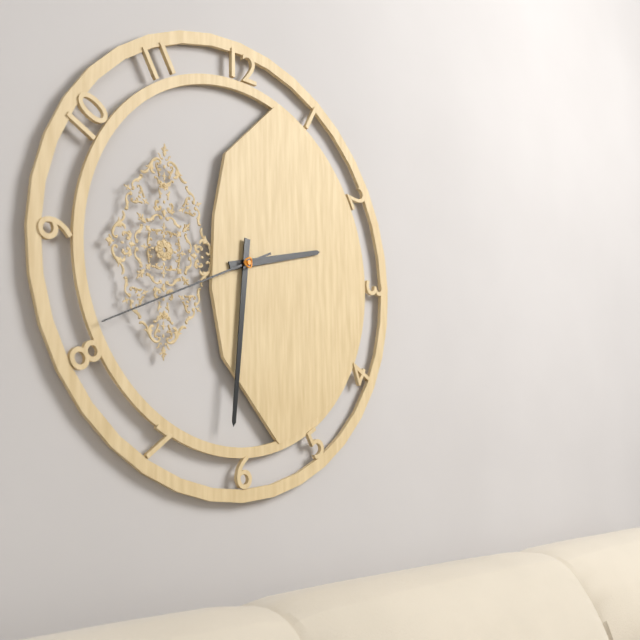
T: 2 h 31 min 41 s
